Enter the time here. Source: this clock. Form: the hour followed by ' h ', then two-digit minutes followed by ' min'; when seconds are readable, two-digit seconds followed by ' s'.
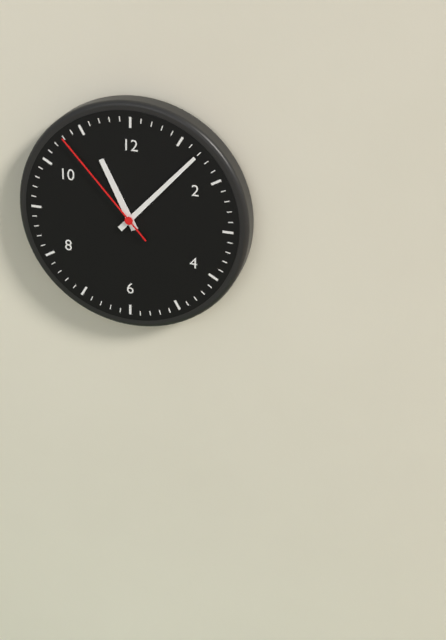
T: 11 h 07 min 53 s
